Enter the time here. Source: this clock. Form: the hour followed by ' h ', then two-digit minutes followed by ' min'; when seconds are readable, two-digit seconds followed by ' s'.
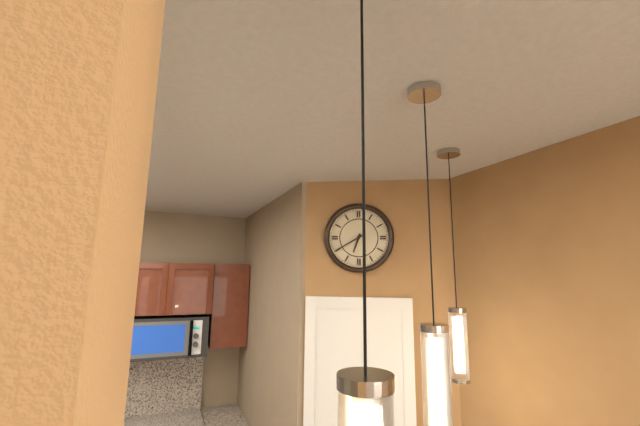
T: 6 h 40 min
